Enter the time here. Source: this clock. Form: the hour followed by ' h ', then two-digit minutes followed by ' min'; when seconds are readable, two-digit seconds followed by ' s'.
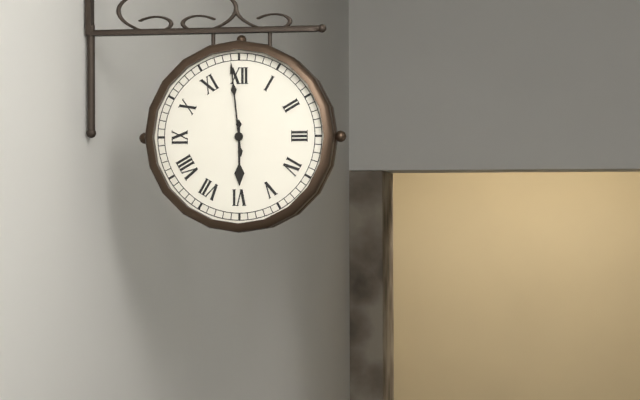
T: 5 h 59 min
